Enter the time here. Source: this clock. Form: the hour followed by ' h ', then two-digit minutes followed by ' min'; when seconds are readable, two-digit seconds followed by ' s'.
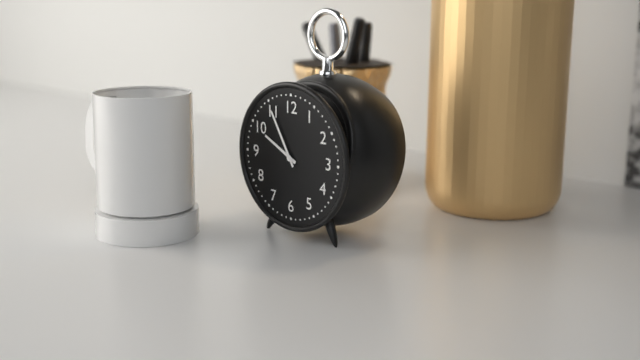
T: 9 h 55 min
